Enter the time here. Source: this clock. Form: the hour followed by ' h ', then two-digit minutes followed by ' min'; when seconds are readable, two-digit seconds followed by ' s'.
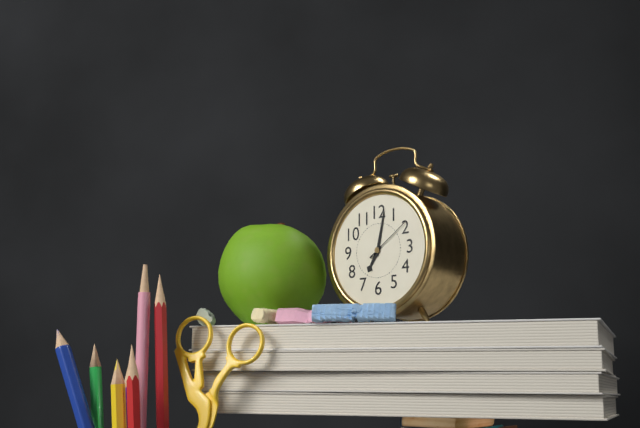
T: 7 h 02 min 09 s
